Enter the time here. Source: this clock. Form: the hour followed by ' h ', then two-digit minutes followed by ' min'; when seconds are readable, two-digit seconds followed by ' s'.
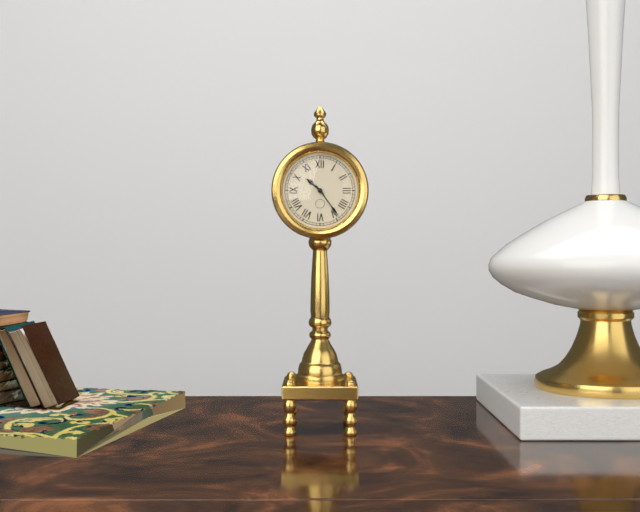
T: 10 h 24 min
